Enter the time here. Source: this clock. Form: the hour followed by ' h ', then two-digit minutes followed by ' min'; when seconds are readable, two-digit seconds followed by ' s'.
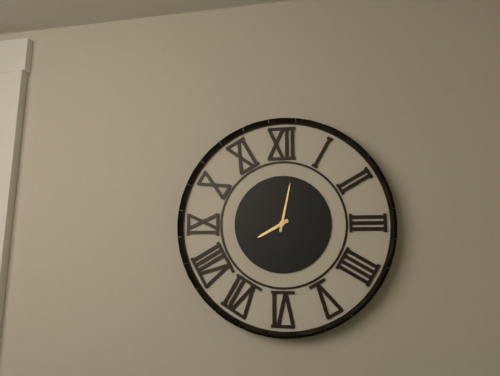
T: 8 h 02 min
